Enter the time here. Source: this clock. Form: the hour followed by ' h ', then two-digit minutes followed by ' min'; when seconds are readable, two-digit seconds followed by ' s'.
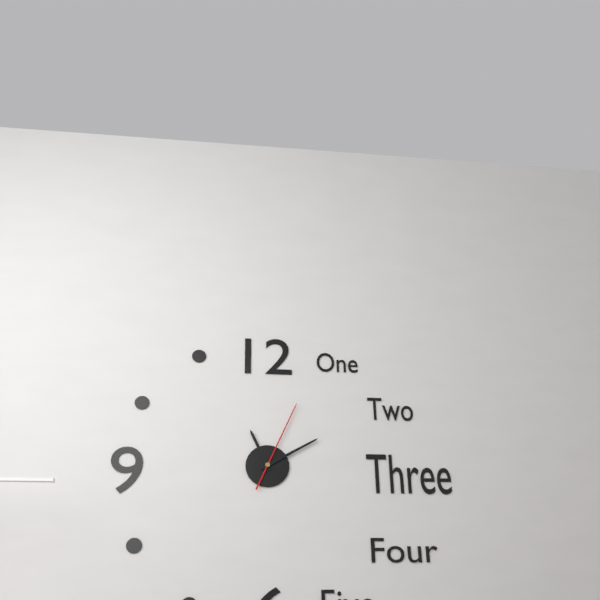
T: 11 h 10 min 04 s
